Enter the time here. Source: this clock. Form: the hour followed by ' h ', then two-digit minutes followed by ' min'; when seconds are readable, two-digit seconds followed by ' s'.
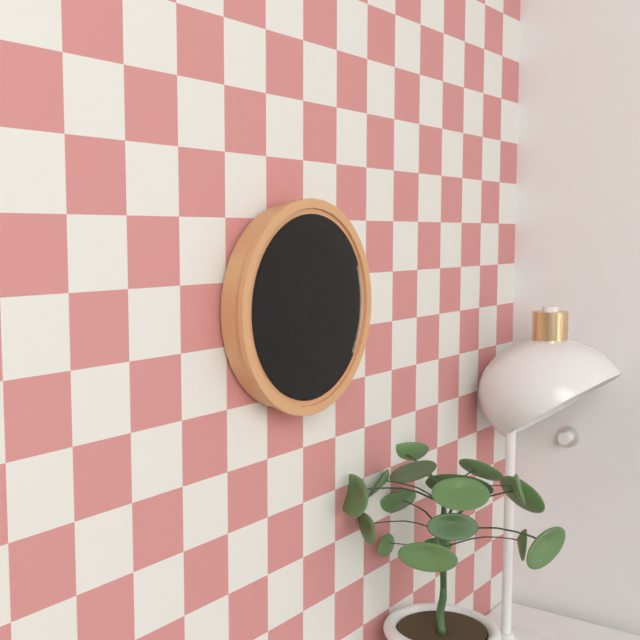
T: 12 h 01 min
